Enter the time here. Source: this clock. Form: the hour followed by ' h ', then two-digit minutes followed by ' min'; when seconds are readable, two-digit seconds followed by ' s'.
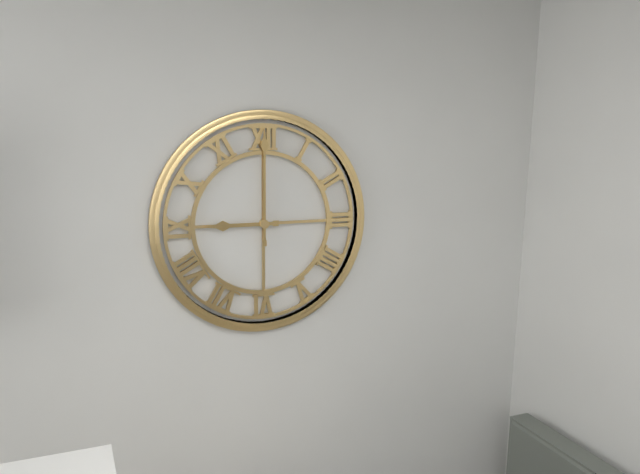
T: 9 h 00 min
